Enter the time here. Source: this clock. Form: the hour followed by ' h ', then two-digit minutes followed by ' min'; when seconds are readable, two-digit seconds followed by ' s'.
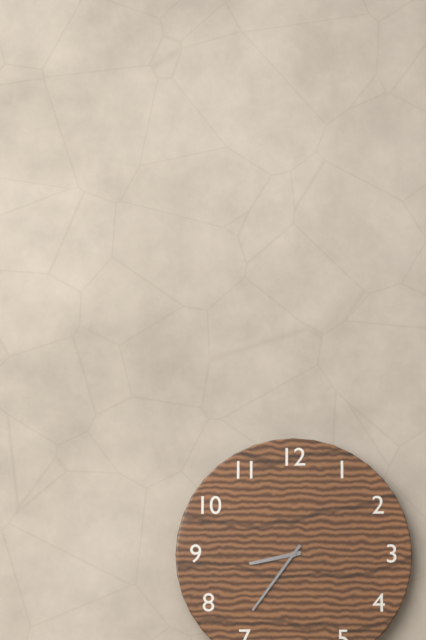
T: 8 h 36 min
